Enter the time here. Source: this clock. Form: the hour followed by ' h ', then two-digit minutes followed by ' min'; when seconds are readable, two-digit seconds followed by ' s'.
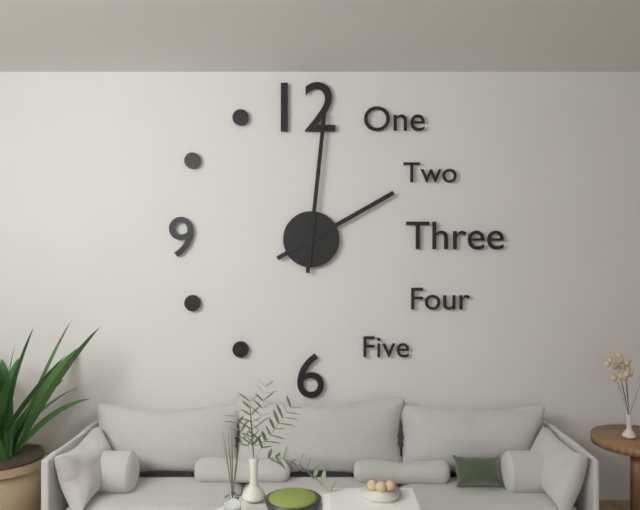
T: 2 h 01 min
